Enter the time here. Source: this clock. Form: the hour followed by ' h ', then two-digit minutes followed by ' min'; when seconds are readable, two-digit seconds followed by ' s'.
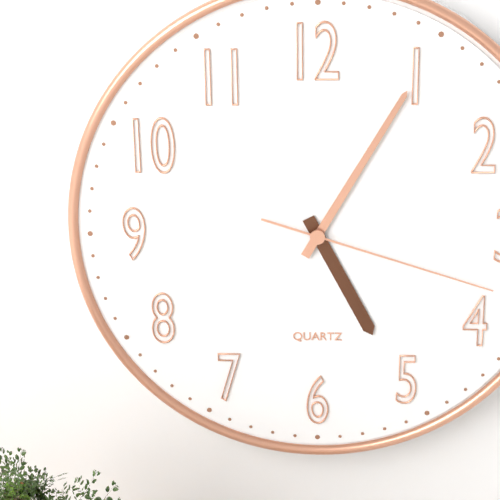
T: 5 h 05 min 18 s
